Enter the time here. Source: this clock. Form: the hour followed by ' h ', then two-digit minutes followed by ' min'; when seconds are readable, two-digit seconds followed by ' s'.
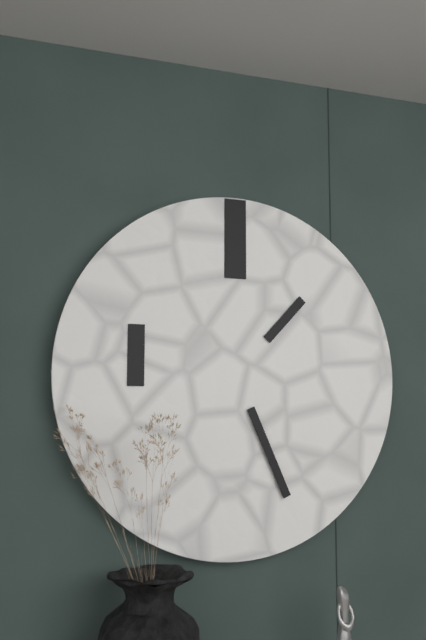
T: 1 h 26 min
